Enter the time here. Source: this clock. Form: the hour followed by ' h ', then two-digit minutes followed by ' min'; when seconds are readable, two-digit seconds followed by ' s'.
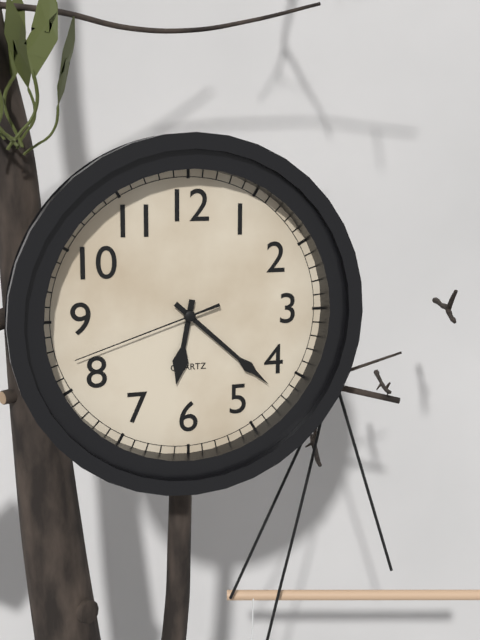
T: 6 h 22 min 42 s
